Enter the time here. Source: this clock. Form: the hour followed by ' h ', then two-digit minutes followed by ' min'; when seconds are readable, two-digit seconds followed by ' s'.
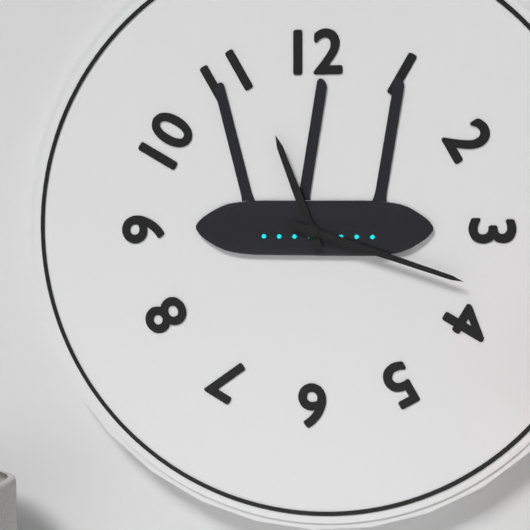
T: 11 h 18 min
